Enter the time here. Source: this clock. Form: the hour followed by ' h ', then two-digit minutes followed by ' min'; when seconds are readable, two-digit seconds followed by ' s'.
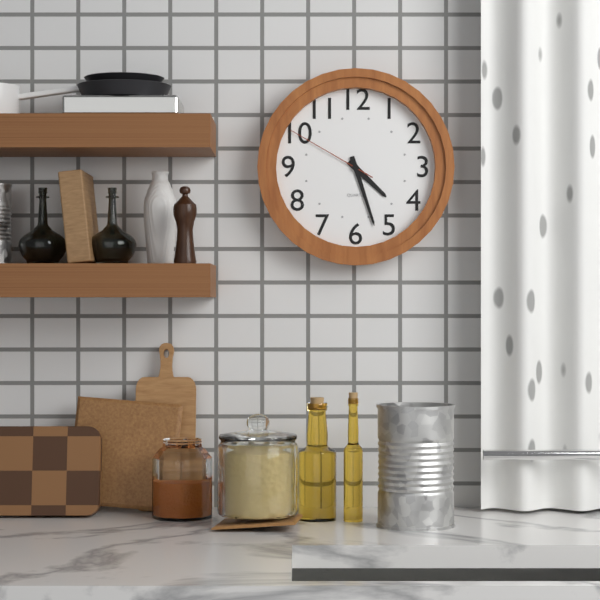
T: 4 h 27 min 50 s
